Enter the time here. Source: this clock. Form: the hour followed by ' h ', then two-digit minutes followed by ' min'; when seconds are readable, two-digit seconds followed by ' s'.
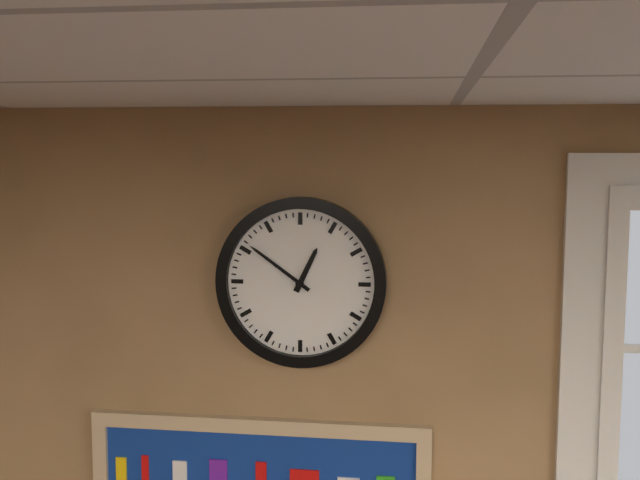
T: 12 h 51 min
